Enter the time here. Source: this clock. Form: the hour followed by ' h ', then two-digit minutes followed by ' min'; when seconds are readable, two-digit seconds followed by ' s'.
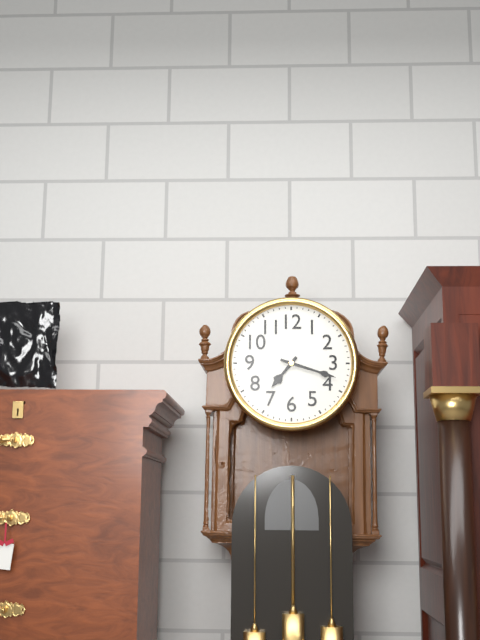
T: 7 h 18 min
